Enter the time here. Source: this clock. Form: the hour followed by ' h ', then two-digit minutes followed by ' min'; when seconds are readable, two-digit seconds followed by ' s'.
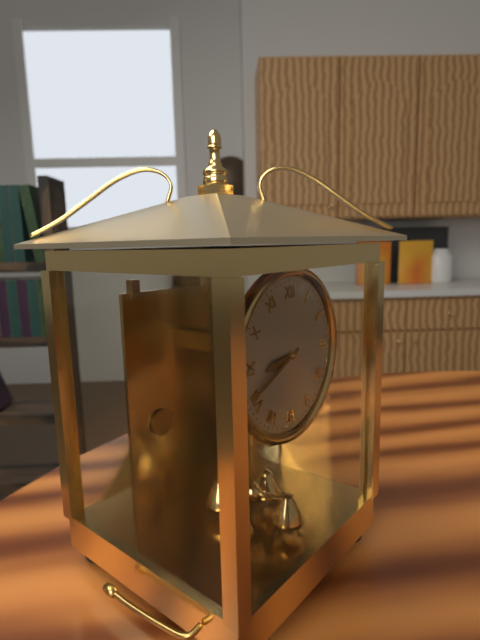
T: 8 h 41 min
